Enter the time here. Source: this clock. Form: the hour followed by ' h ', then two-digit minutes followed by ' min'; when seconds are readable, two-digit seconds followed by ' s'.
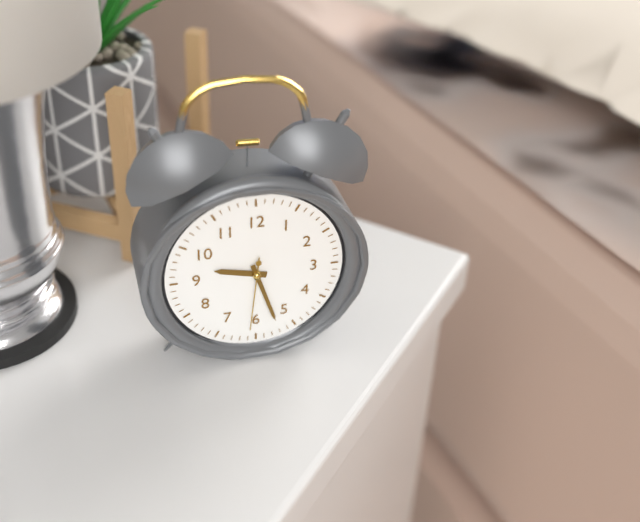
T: 9 h 27 min 31 s
